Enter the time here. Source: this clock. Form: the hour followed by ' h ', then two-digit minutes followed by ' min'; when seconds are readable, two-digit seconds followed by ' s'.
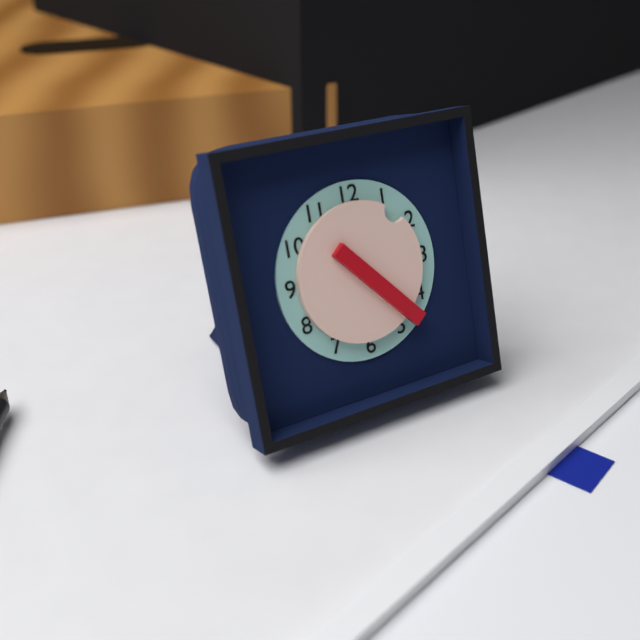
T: 1 h 23 min
